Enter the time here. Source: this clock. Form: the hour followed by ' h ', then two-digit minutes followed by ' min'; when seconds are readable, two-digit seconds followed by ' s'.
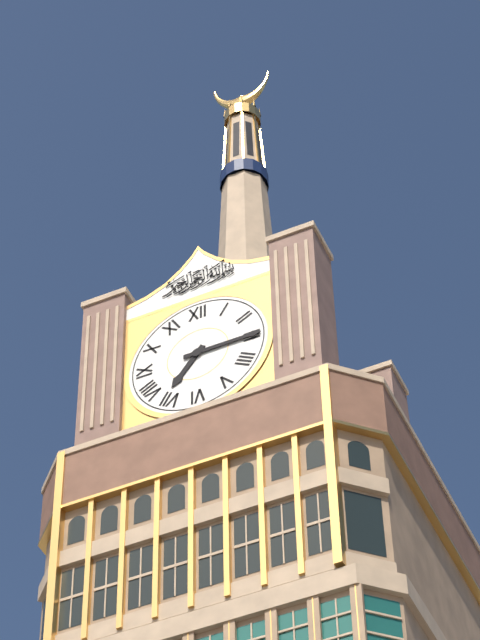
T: 7 h 15 min
